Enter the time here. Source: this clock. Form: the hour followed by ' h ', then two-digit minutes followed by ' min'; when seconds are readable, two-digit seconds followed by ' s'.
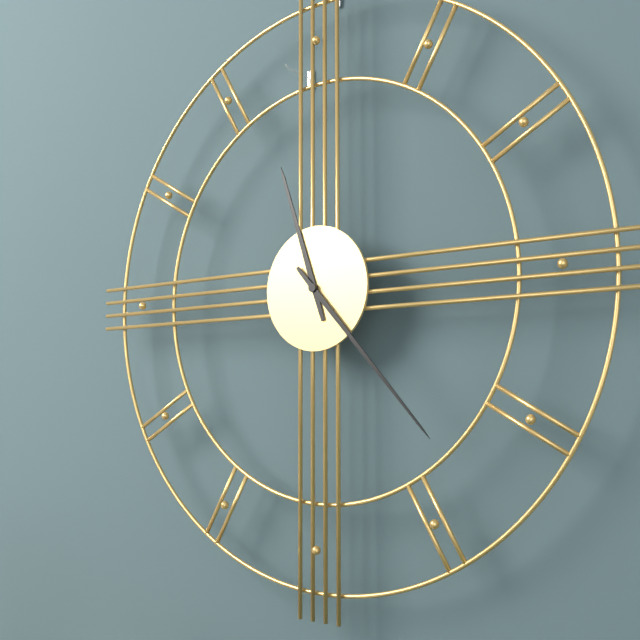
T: 11 h 23 min
